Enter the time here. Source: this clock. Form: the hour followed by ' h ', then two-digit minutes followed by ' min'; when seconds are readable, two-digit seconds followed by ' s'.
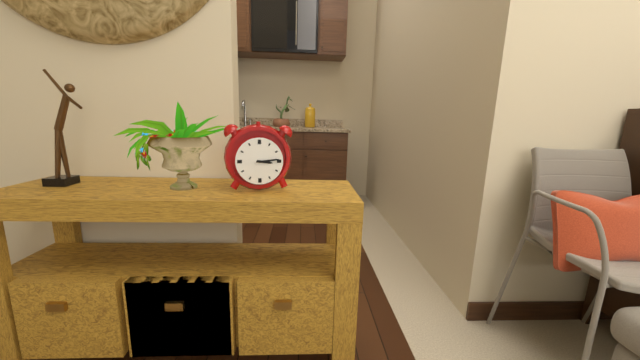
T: 3 h 14 min
